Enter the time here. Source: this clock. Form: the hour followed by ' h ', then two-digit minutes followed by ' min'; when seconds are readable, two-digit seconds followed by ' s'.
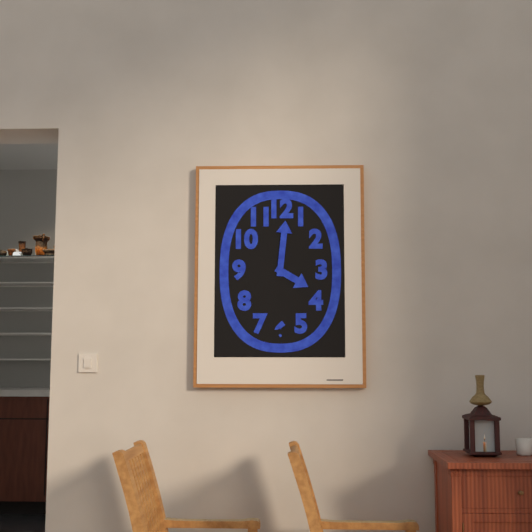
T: 4 h 01 min
